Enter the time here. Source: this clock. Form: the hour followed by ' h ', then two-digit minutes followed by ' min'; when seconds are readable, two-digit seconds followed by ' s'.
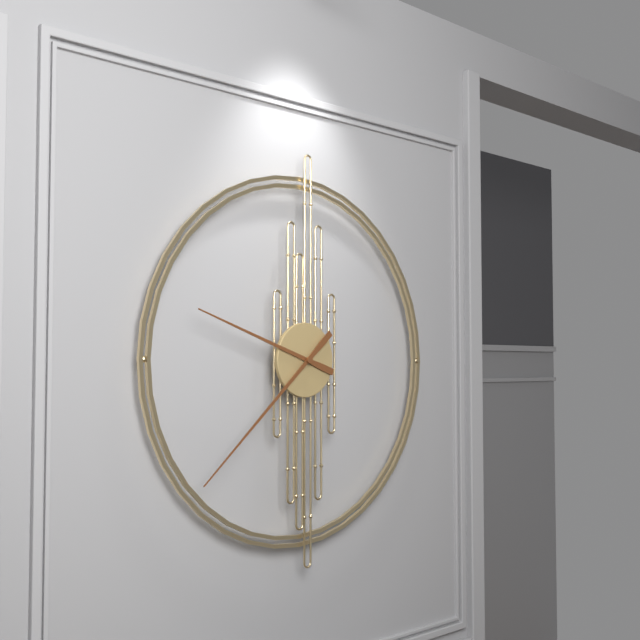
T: 9 h 38 min
